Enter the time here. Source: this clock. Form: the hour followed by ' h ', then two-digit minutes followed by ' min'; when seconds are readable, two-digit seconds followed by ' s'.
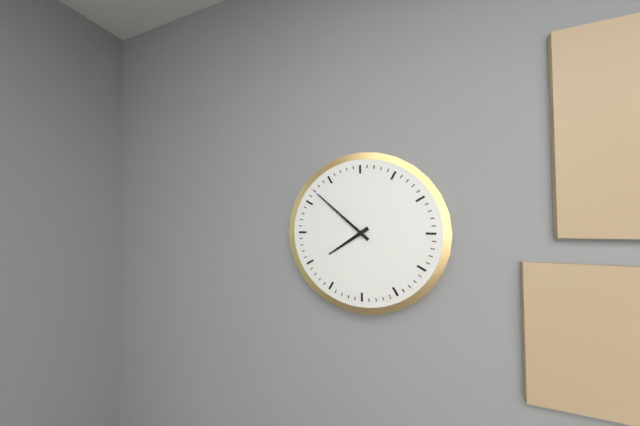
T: 7 h 52 min
